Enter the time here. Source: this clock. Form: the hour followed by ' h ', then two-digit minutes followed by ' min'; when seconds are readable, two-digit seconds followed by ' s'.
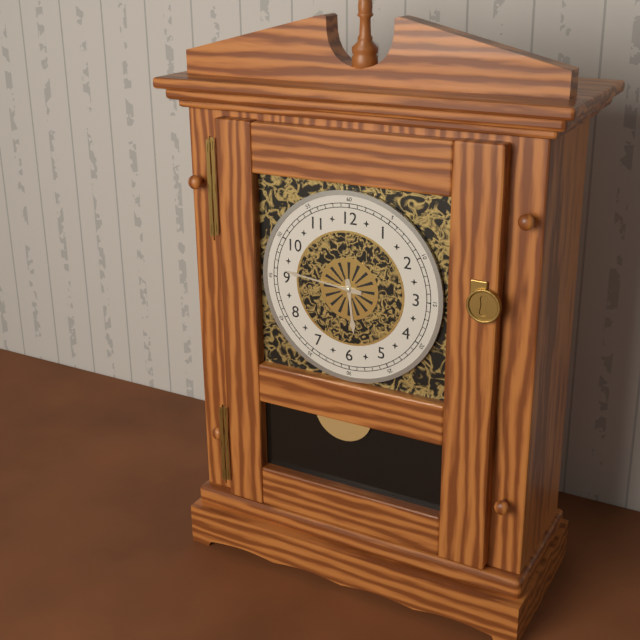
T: 5 h 46 min
